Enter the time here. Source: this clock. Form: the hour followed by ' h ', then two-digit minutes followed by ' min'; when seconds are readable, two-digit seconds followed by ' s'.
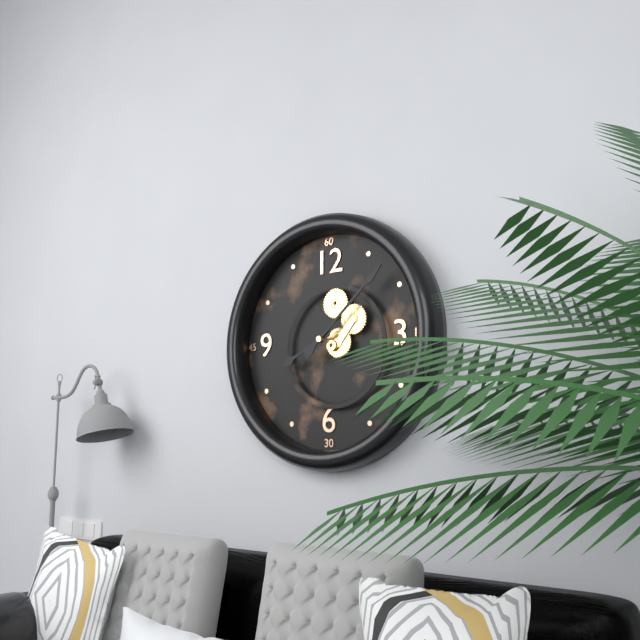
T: 8 h 08 min
